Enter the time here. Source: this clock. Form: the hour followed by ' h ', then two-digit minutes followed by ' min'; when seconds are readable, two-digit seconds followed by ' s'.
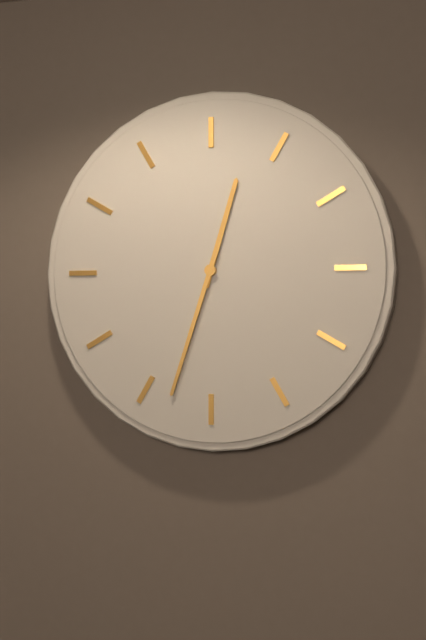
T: 12 h 33 min
